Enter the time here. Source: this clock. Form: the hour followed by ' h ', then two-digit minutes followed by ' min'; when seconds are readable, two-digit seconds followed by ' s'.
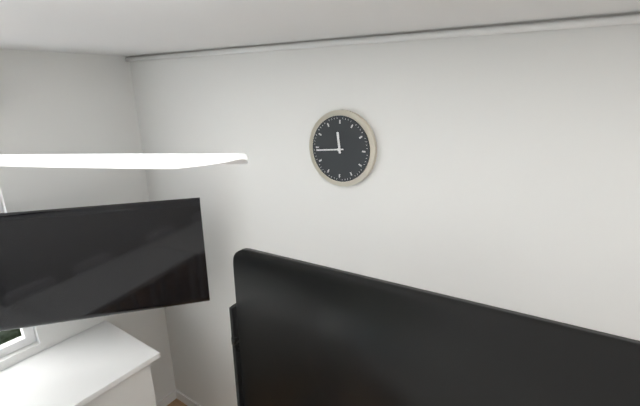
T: 11 h 44 min
